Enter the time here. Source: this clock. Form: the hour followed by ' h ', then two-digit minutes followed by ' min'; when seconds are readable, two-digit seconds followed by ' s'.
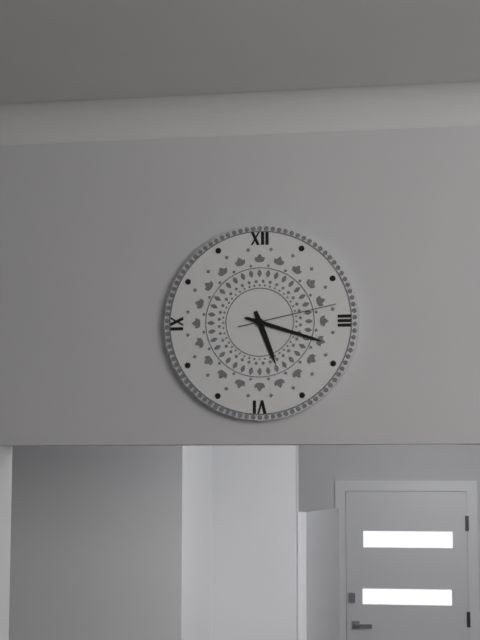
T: 5 h 18 min 13 s
